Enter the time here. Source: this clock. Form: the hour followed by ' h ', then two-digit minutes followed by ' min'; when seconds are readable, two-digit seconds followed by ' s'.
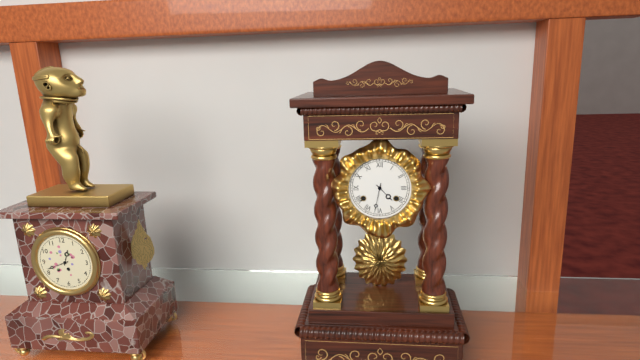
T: 4 h 32 min
